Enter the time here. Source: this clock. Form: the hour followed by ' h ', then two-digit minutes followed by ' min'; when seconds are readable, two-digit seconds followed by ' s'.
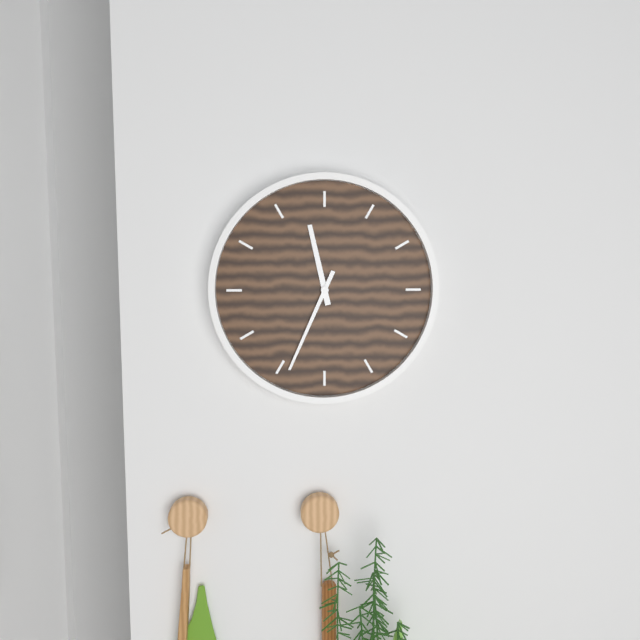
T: 11 h 34 min
